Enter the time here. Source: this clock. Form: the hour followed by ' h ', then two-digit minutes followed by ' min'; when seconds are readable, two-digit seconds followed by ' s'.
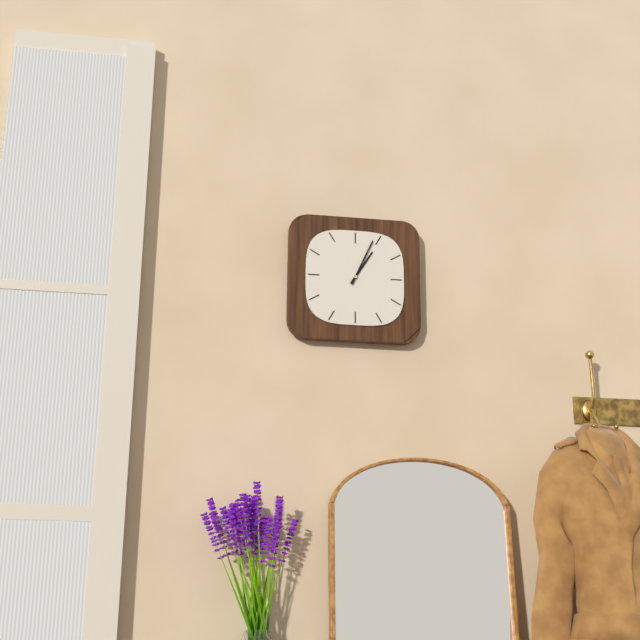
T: 1 h 04 min
